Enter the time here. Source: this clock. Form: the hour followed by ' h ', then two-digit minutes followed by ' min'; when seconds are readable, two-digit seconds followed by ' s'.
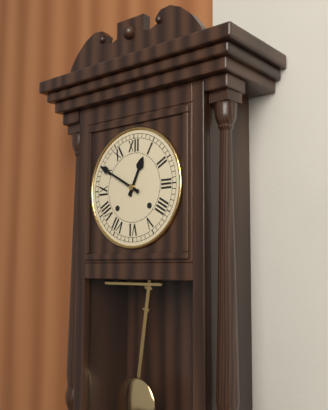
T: 12 h 50 min
